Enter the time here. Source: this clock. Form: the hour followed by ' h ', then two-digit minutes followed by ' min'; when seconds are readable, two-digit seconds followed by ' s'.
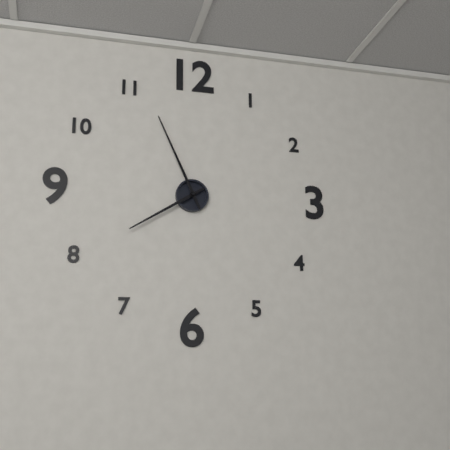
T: 7 h 56 min
